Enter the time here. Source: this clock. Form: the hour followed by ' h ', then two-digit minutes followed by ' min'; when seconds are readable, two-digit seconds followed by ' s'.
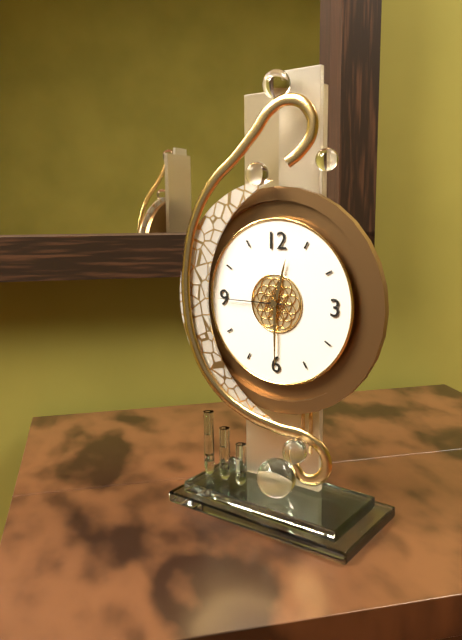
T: 12 h 30 min 45 s
